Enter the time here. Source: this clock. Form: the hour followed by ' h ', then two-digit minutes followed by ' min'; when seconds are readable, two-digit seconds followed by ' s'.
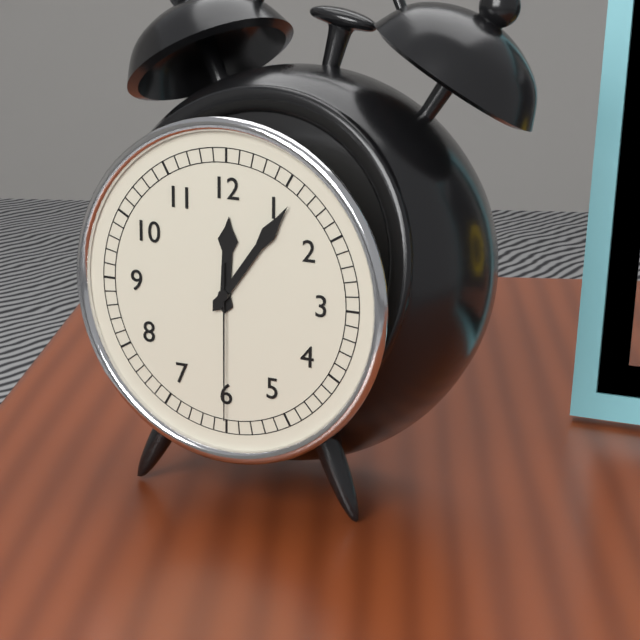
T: 12 h 06 min 30 s
